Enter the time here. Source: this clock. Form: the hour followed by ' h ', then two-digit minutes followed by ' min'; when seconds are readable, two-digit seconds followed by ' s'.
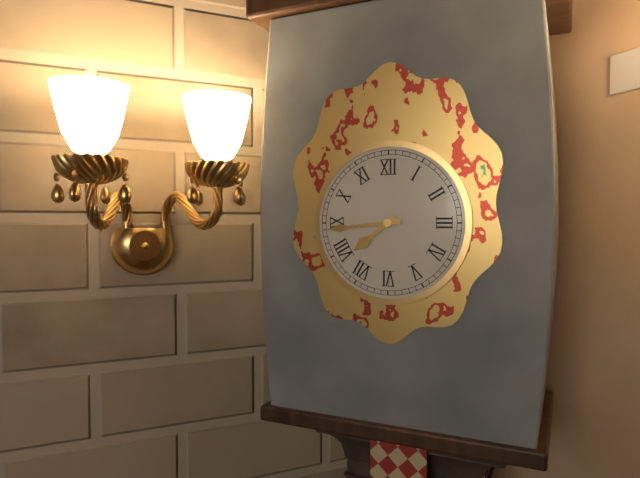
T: 7 h 44 min
